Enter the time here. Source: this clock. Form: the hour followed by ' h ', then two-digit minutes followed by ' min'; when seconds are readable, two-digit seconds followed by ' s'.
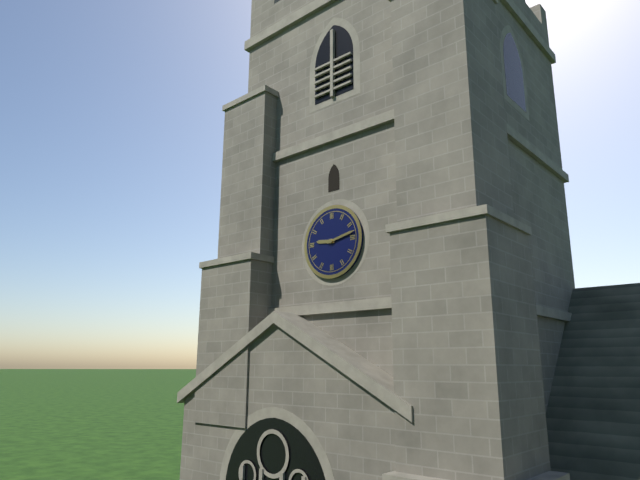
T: 9 h 13 min
